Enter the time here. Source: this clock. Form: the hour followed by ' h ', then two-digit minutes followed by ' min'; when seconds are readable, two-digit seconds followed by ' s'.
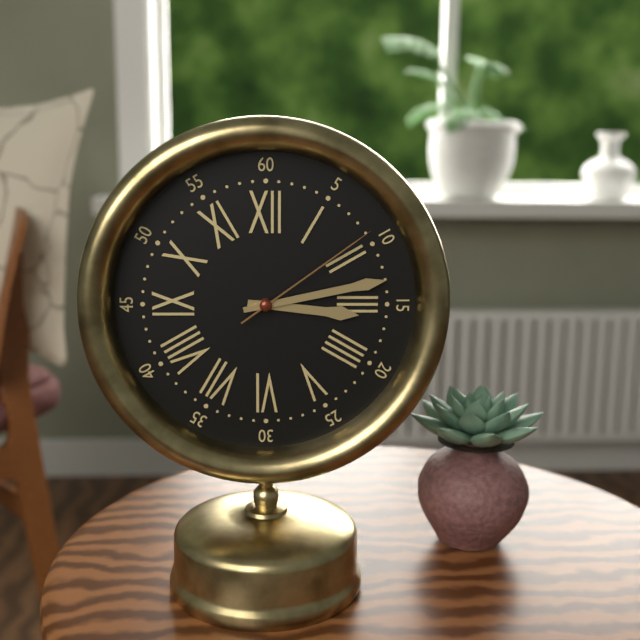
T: 3 h 13 min 09 s
